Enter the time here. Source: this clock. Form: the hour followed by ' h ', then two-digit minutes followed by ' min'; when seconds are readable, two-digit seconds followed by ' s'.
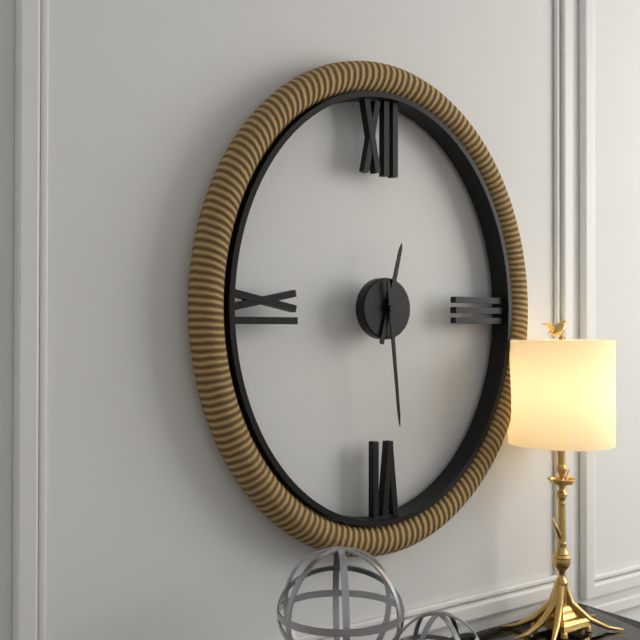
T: 12 h 29 min
